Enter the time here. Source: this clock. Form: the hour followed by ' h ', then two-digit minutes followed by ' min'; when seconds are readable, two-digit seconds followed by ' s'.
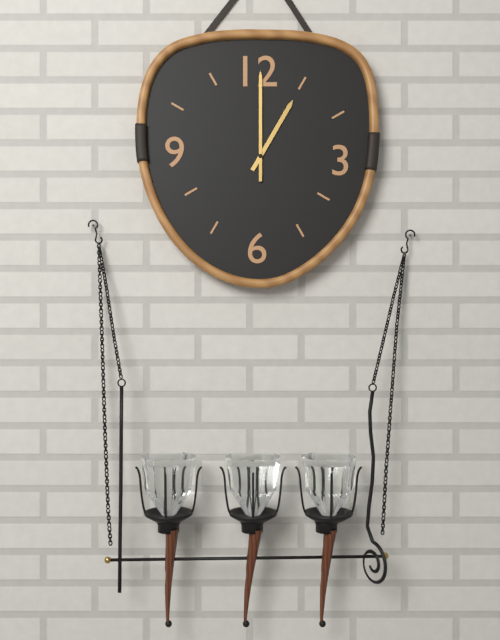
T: 1 h 00 min
